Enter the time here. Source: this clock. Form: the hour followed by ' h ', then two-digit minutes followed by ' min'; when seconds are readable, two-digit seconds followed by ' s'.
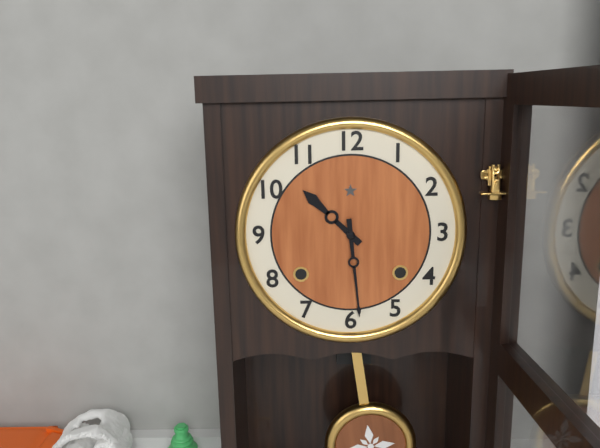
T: 10 h 29 min
